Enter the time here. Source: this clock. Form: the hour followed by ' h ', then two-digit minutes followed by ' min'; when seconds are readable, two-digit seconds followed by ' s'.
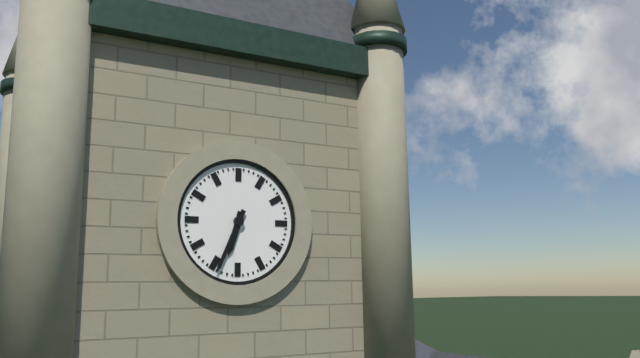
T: 6 h 34 min
